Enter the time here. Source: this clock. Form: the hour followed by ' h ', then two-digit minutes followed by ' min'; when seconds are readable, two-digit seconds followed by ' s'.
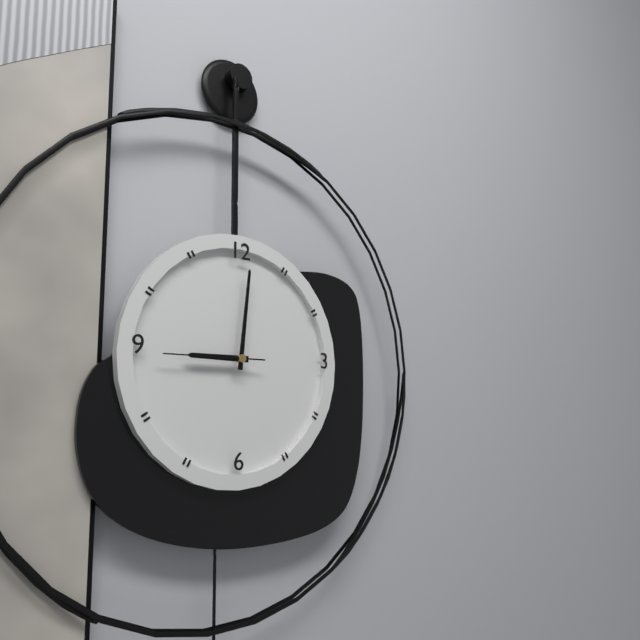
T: 9 h 01 min 45 s
